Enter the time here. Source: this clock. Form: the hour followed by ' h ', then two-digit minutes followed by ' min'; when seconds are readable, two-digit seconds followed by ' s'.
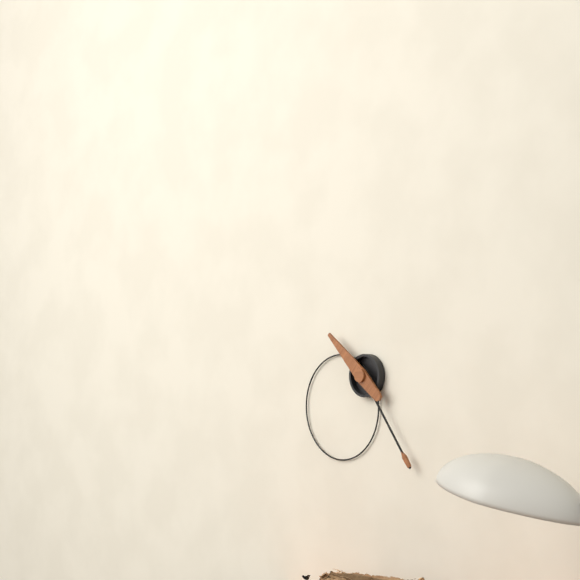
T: 10 h 24 min
